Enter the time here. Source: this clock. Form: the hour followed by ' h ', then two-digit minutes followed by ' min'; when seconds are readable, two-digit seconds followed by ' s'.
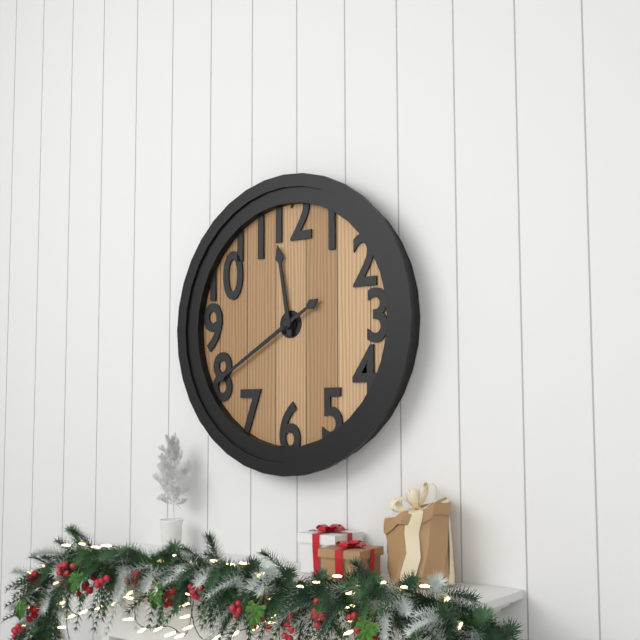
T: 11 h 40 min
